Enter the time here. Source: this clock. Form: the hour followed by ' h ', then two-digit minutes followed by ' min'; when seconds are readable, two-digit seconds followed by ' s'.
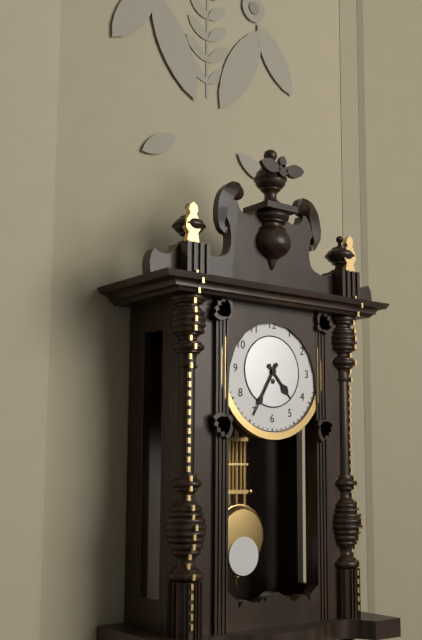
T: 4 h 35 min
